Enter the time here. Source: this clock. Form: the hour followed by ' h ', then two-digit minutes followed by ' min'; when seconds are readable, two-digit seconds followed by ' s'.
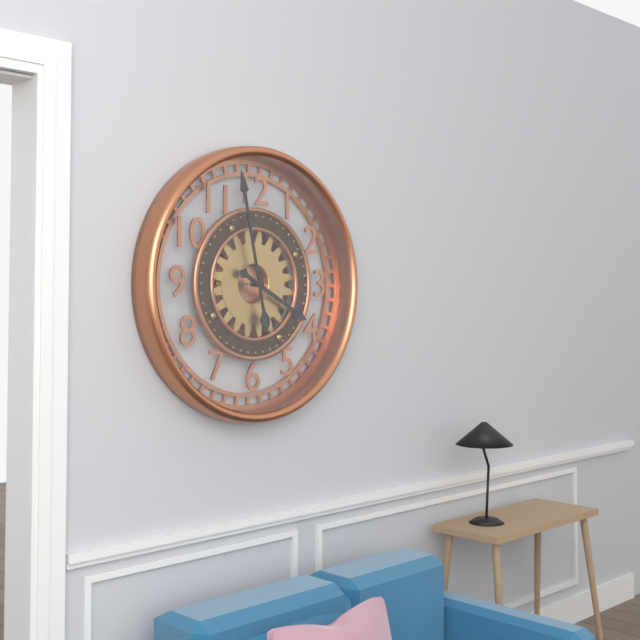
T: 3 h 58 min
